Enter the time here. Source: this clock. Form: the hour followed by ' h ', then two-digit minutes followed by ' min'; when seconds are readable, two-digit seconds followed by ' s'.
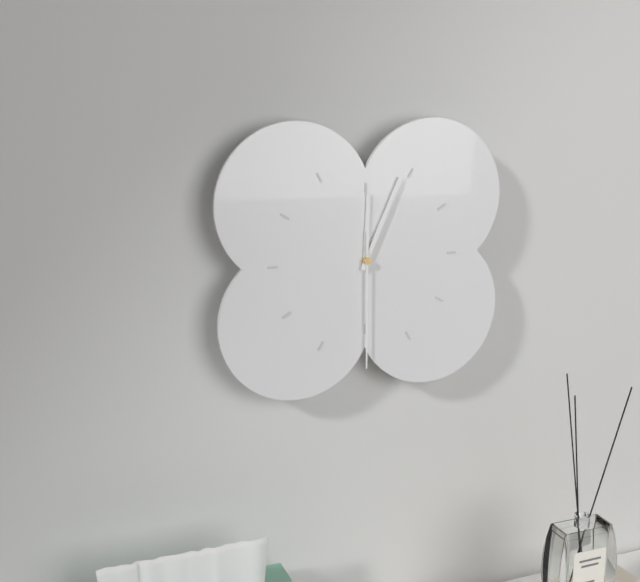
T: 12 h 04 min 30 s
